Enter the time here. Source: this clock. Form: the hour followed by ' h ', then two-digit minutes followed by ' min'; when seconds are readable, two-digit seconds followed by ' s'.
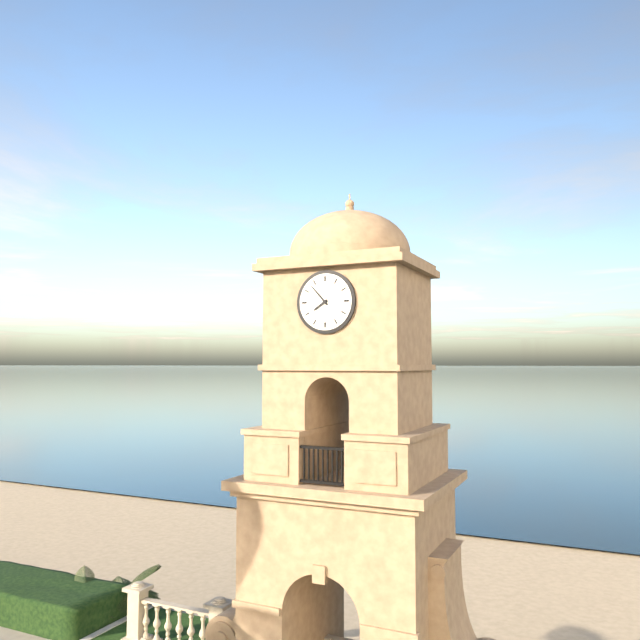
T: 7 h 53 min
